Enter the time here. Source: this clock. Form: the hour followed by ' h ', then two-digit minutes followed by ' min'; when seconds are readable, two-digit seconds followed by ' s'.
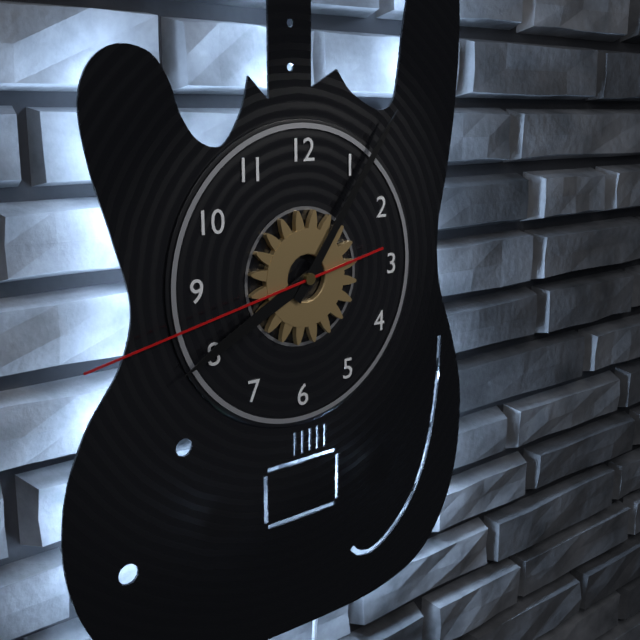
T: 8 h 06 min 43 s
